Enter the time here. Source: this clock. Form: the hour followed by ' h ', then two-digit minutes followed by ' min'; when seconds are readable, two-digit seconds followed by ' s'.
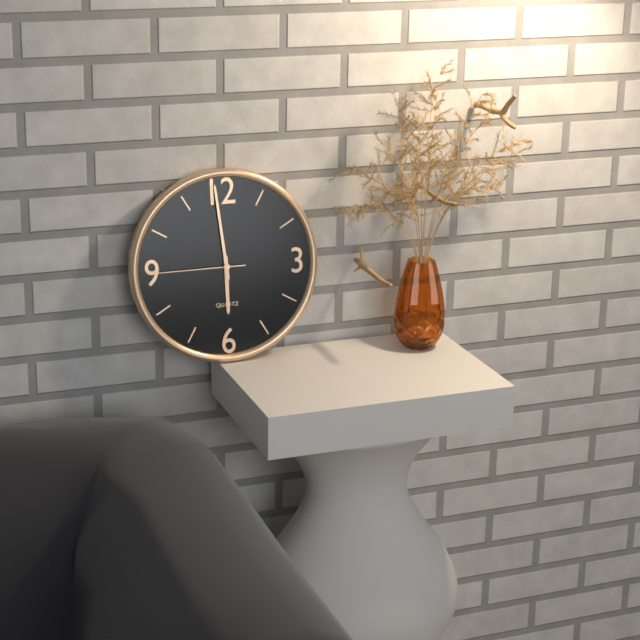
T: 5 h 59 min 45 s
